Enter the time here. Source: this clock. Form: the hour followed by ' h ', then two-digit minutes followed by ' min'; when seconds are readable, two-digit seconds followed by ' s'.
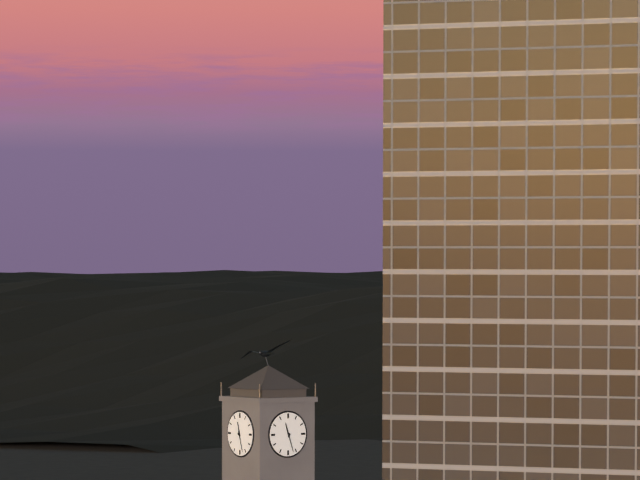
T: 11 h 27 min
